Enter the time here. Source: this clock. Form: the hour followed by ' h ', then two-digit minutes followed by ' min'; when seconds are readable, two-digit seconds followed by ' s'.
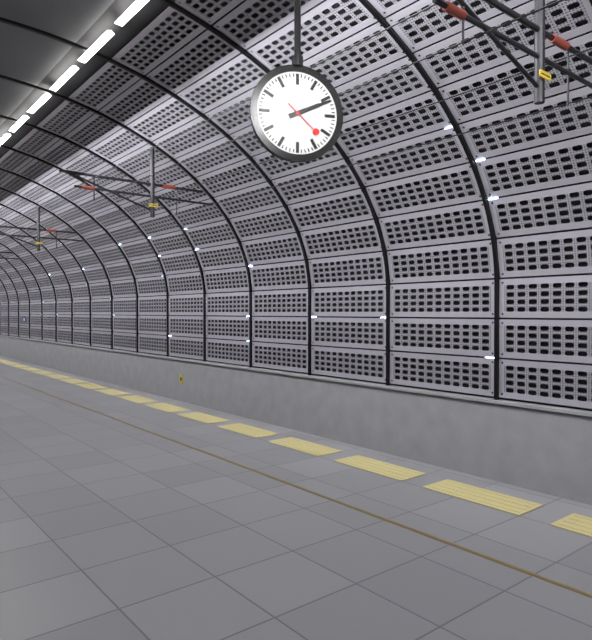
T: 2 h 11 min
